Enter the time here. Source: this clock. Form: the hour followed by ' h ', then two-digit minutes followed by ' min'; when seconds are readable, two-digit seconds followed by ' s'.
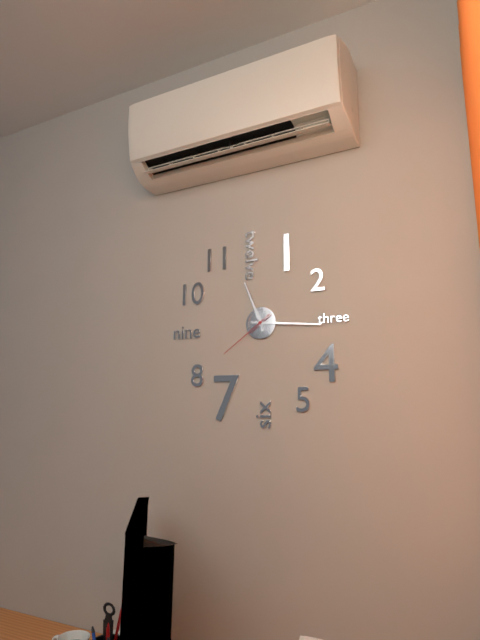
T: 11 h 16 min 39 s
